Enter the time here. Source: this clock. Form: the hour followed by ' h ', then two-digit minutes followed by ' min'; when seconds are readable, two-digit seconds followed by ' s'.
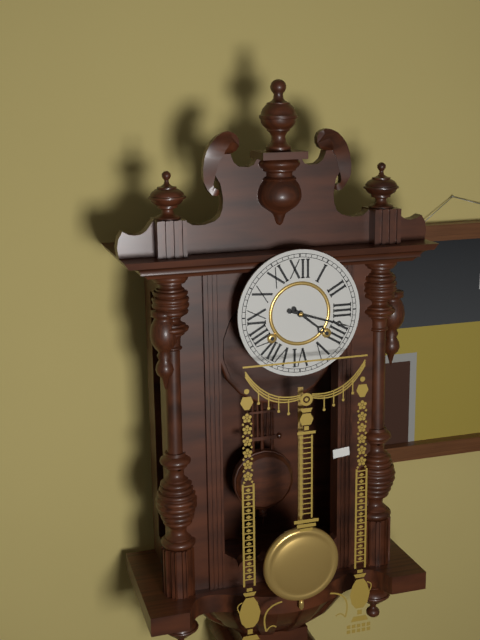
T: 4 h 18 min
